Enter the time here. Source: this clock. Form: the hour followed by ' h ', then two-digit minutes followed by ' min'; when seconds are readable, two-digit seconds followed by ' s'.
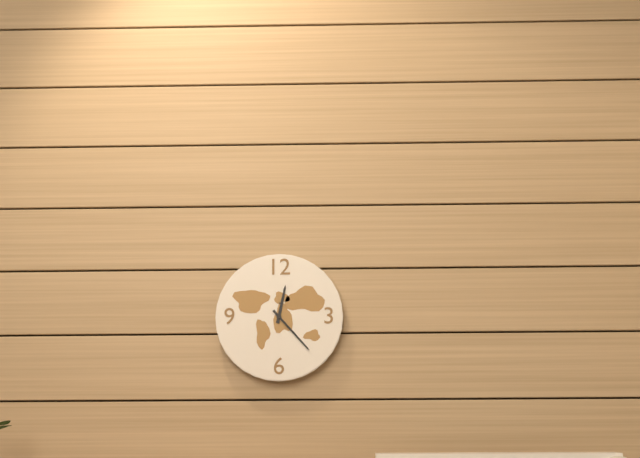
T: 12 h 23 min
